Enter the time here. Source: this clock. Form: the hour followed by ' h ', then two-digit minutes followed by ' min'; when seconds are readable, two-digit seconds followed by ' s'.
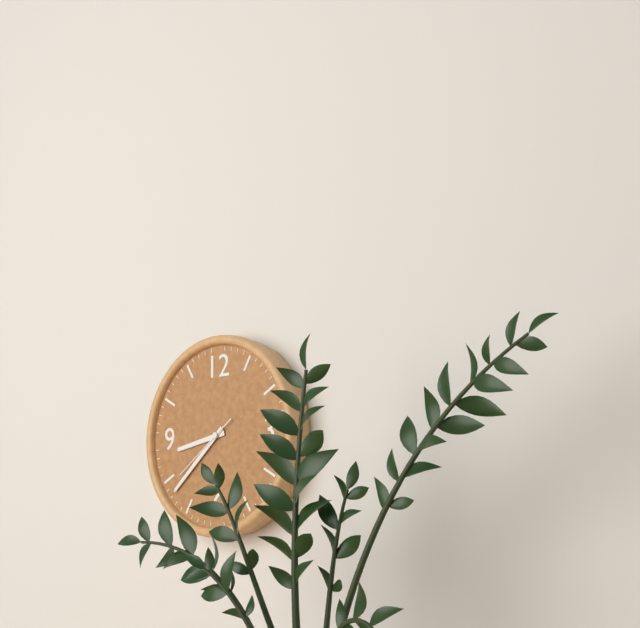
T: 8 h 38 min 39 s
